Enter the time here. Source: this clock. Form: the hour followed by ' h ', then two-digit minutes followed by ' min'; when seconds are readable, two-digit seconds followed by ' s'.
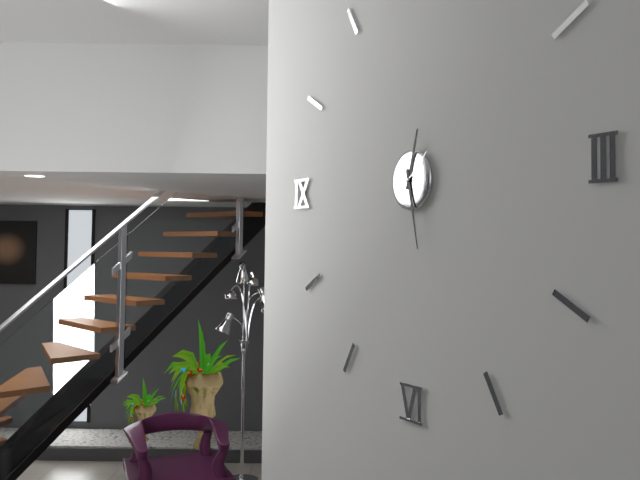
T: 12 h 28 min
